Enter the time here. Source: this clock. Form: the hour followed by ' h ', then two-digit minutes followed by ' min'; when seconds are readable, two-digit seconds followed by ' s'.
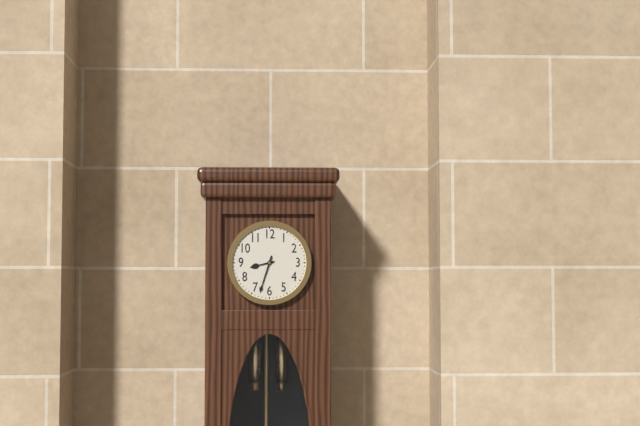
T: 8 h 33 min
